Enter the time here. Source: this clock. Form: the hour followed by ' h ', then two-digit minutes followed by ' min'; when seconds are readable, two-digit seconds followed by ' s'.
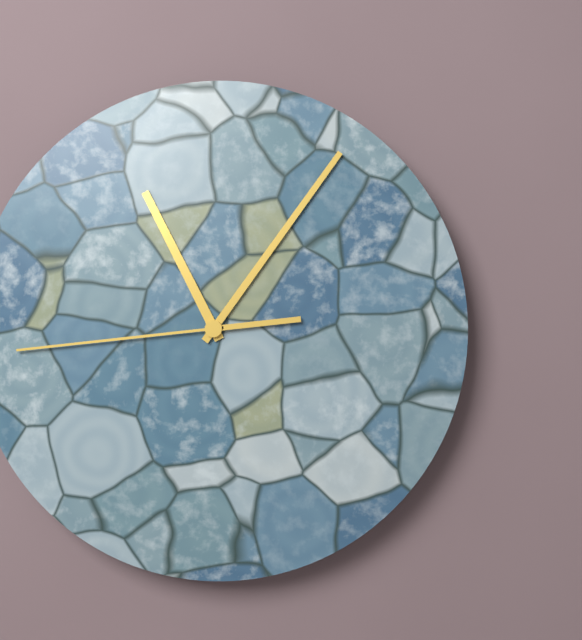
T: 11 h 06 min 44 s
